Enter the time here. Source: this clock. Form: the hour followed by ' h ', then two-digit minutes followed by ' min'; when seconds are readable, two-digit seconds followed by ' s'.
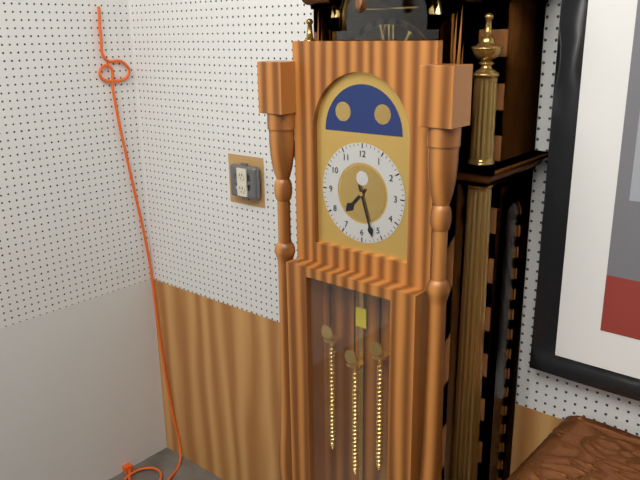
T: 7 h 27 min
